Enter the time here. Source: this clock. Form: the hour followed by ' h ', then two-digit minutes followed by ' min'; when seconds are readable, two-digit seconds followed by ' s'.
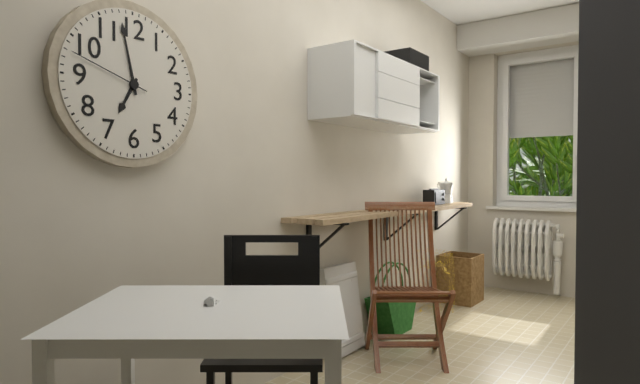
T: 6 h 58 min 48 s
